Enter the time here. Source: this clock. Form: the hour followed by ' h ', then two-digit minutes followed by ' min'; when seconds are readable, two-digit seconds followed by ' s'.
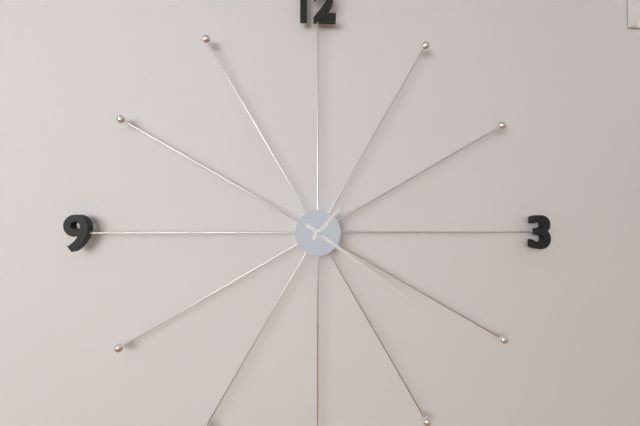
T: 1 h 21 min
